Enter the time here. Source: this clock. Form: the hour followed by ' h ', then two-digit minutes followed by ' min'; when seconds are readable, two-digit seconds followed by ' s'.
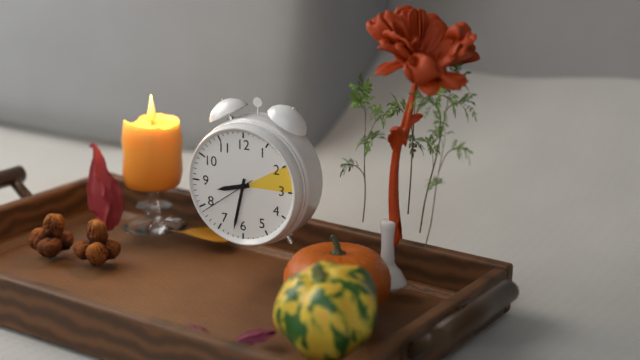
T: 8 h 32 min 39 s
